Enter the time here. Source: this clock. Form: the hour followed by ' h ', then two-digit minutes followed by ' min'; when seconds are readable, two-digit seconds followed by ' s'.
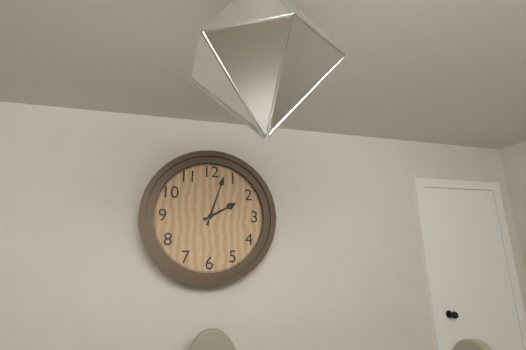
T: 2 h 03 min
